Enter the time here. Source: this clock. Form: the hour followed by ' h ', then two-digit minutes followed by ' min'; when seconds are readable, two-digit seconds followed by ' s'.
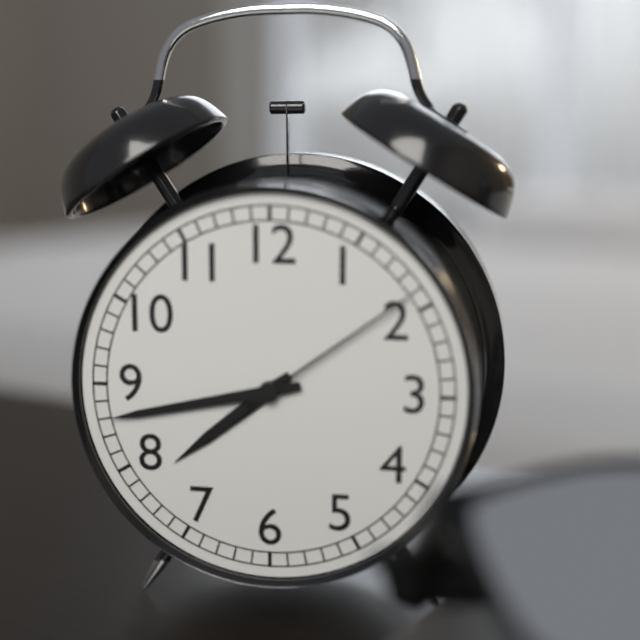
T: 7 h 43 min 09 s
